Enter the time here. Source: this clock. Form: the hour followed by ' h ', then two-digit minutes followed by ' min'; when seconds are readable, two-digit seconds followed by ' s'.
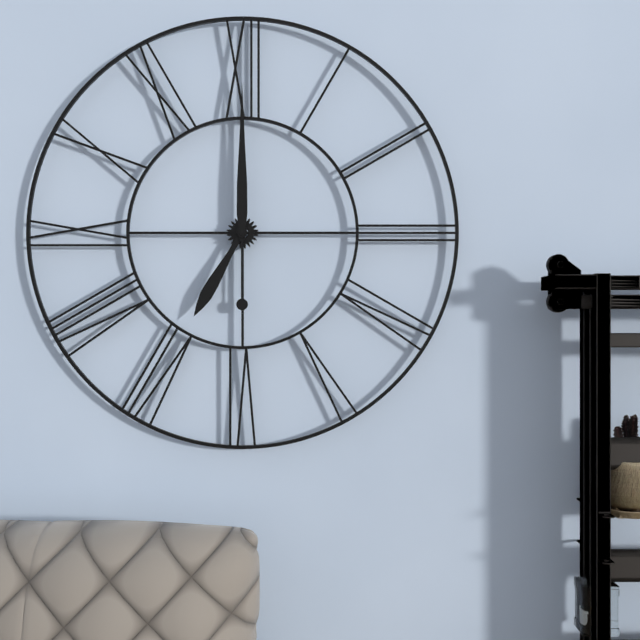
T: 7 h 00 min
